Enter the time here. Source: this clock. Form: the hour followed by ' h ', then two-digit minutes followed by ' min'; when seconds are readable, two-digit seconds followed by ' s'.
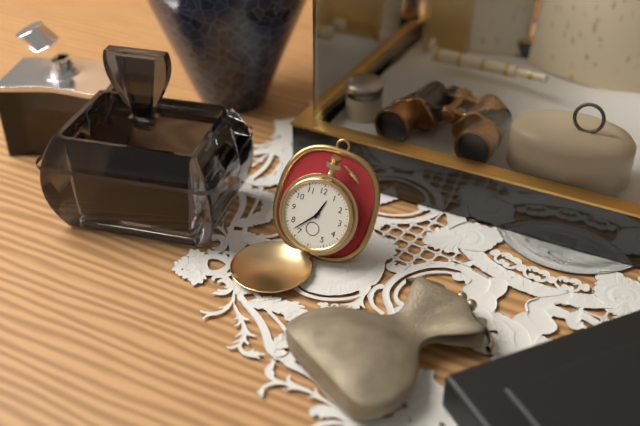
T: 12 h 37 min
